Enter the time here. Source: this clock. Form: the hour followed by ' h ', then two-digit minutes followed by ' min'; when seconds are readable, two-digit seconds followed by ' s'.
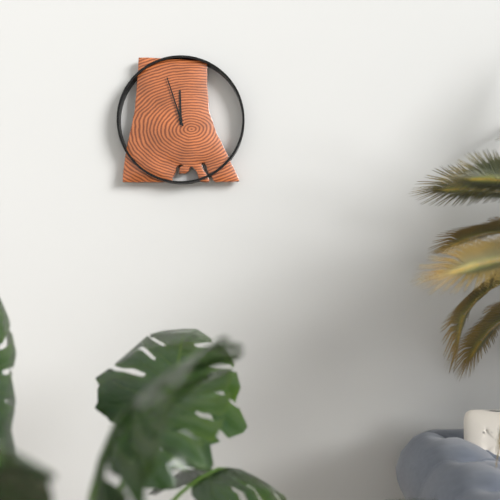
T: 11 h 57 min
